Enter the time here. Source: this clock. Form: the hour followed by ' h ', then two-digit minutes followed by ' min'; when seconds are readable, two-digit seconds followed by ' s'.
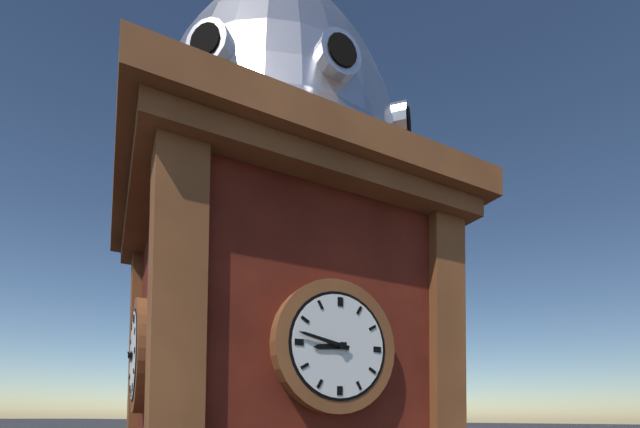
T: 8 h 47 min
